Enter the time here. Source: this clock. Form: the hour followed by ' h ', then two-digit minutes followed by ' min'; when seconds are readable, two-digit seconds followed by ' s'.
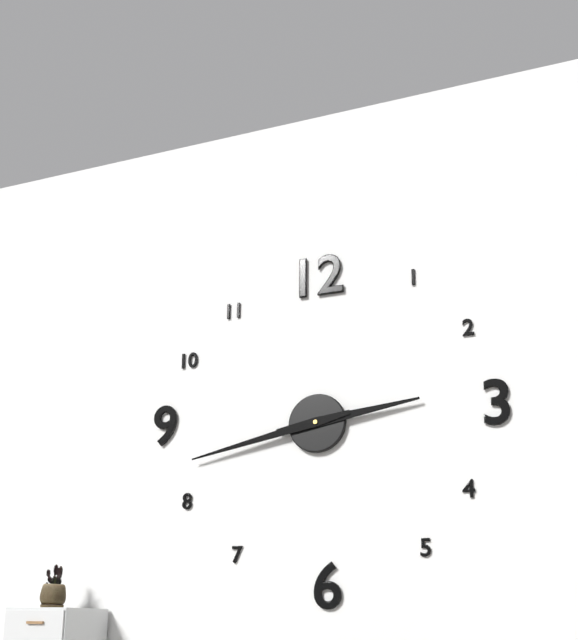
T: 2 h 43 min
